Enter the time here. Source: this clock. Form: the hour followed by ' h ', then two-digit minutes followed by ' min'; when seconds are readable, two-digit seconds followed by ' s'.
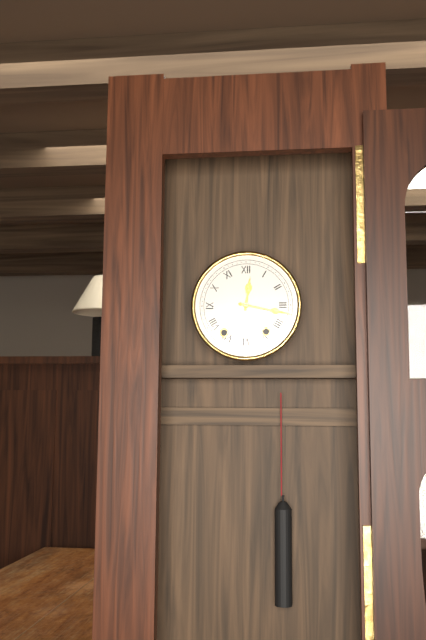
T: 12 h 17 min
